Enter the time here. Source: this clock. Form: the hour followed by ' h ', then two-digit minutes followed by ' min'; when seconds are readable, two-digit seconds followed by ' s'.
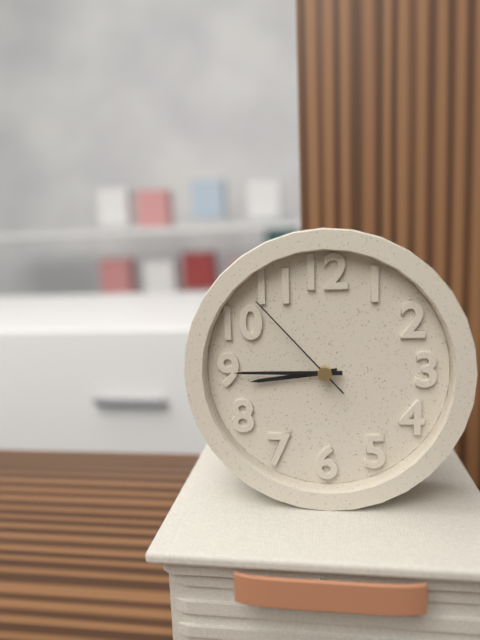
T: 8 h 45 min 53 s
